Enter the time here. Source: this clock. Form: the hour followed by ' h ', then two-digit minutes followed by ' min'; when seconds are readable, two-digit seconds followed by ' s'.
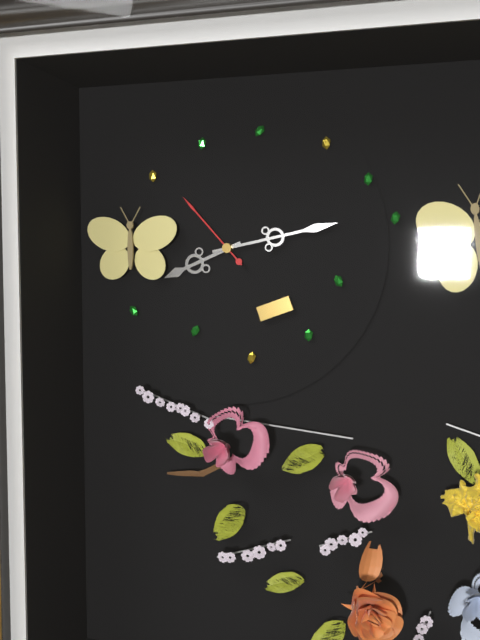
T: 8 h 13 min 53 s
